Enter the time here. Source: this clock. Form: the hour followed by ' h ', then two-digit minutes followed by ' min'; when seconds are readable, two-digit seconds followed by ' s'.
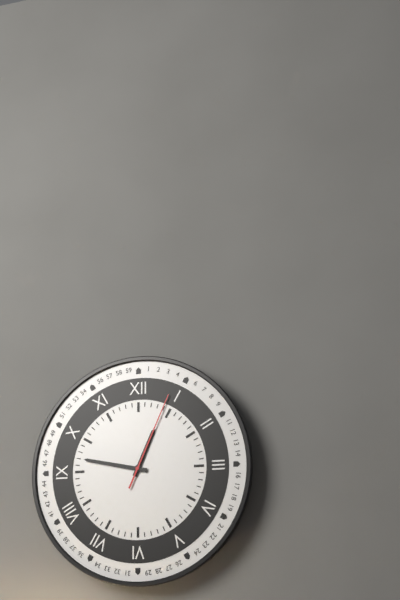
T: 12 h 47 min 04 s
